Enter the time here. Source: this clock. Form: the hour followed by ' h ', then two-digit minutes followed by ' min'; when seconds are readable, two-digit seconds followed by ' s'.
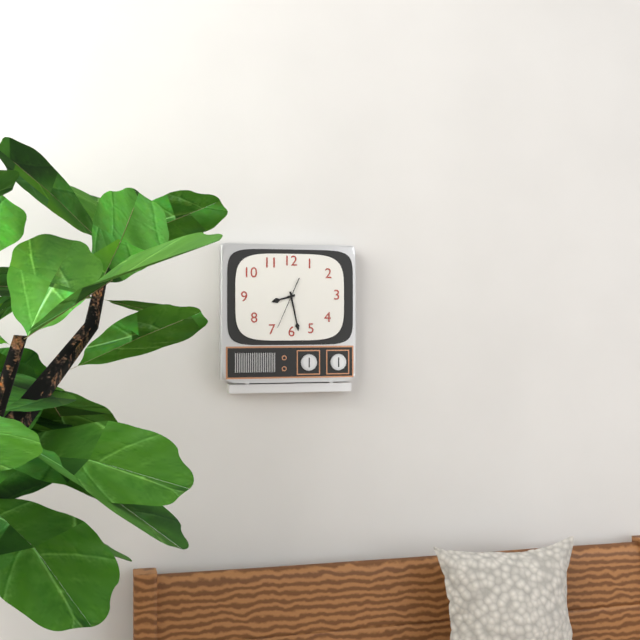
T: 8 h 28 min
